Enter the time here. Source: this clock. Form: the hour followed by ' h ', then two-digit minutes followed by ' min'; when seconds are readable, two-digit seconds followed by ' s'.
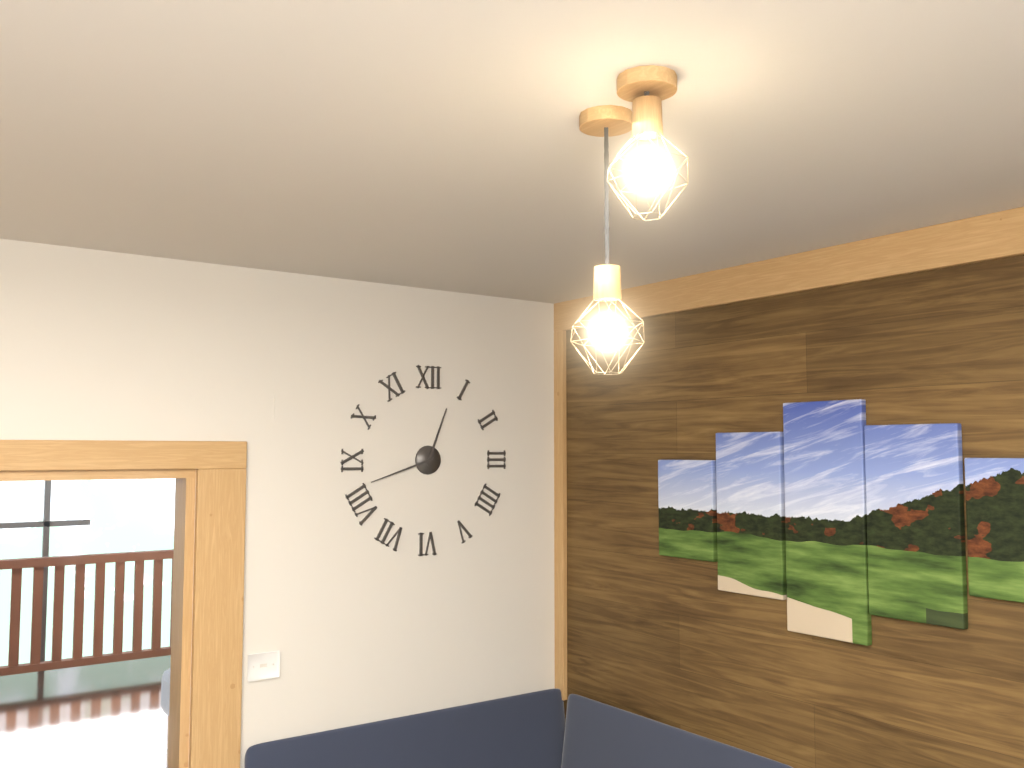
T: 12 h 42 min
